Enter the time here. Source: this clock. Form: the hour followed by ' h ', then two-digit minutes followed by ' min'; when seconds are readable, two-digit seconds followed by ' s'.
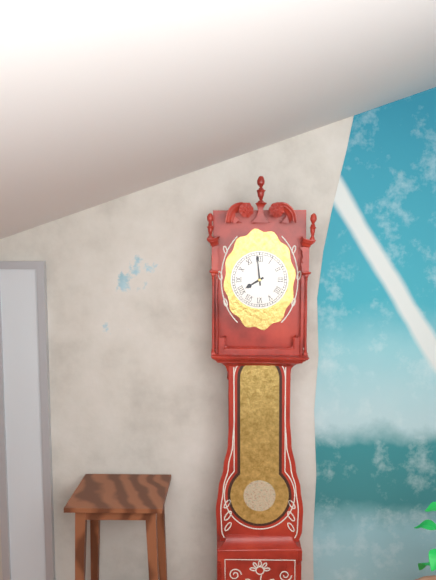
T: 7 h 59 min
